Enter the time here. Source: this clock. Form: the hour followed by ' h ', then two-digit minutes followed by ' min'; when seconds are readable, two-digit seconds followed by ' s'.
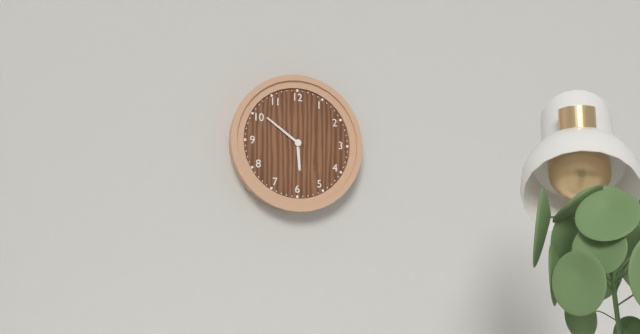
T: 5 h 51 min
